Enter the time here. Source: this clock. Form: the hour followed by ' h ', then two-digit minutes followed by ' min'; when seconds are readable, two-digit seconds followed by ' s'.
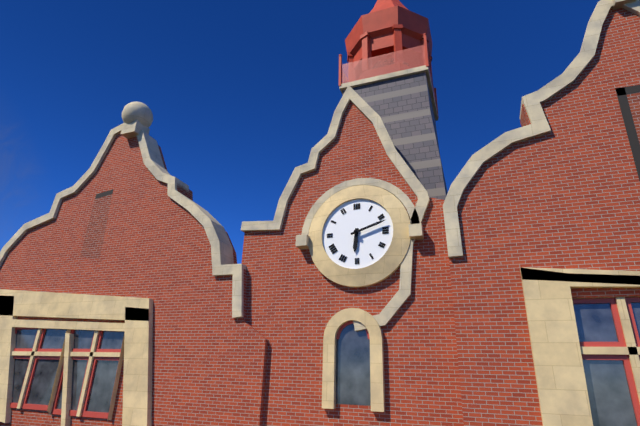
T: 6 h 12 min
